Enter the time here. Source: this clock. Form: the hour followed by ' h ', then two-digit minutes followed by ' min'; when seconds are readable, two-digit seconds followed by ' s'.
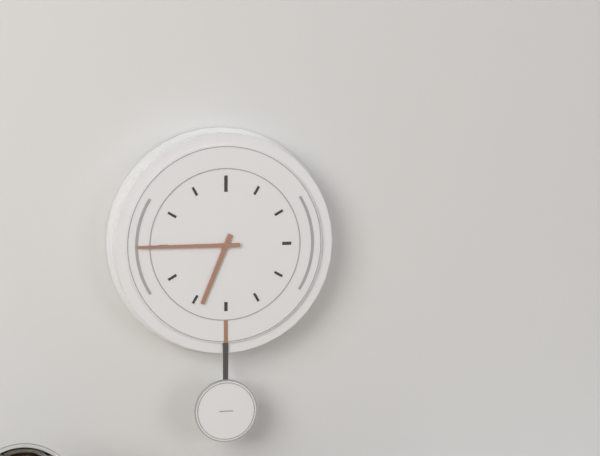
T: 6 h 45 min
